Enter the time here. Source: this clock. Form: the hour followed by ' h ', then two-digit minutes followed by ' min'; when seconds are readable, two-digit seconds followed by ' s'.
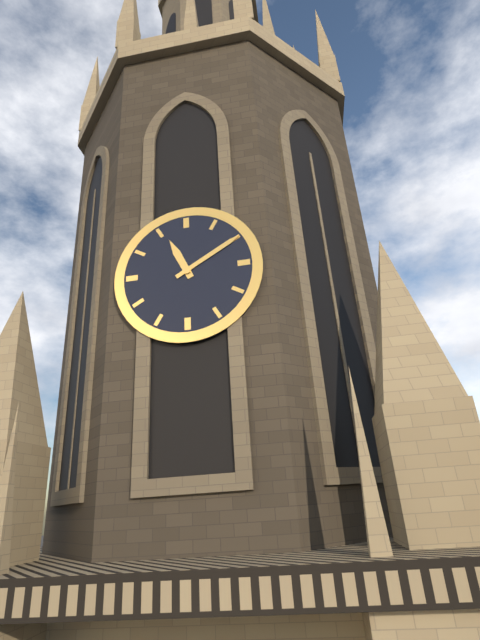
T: 11 h 10 min
